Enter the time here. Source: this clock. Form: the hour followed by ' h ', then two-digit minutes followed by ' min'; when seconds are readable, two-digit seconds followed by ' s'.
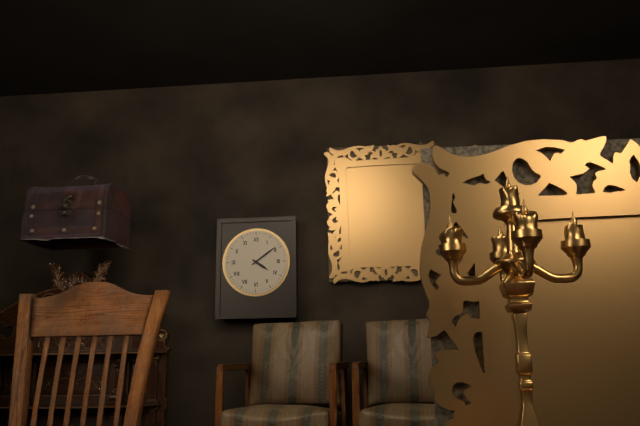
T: 4 h 09 min
